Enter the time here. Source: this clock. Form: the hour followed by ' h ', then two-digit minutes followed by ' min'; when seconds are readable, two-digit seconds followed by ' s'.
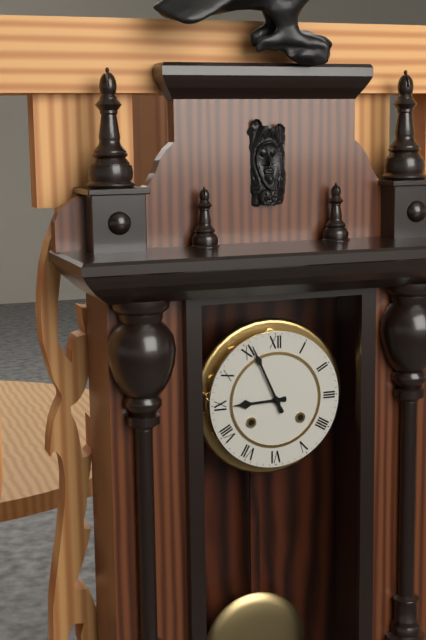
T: 8 h 56 min
